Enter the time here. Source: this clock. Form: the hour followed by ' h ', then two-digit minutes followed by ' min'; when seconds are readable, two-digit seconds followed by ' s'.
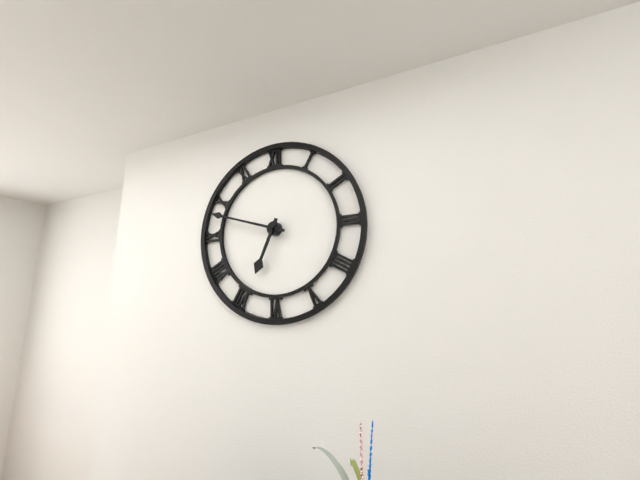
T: 6 h 48 min
